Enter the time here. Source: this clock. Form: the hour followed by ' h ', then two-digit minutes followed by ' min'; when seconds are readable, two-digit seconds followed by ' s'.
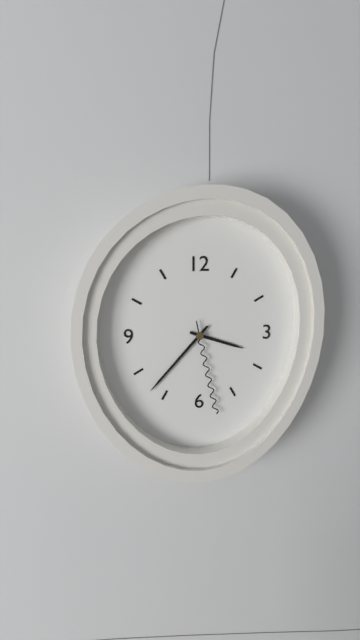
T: 3 h 37 min 28 s
